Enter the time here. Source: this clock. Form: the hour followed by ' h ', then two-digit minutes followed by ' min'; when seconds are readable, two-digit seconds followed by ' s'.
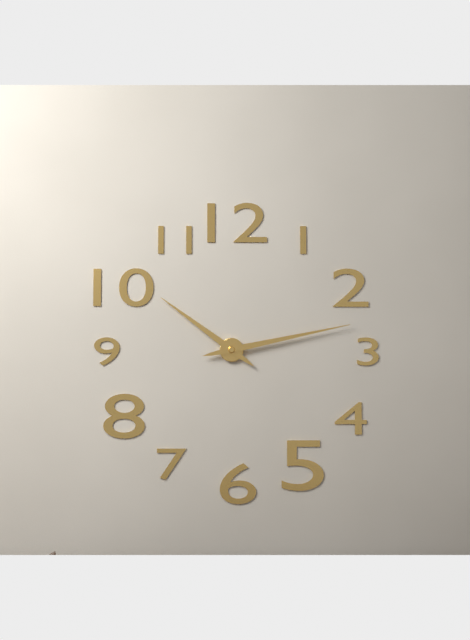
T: 10 h 13 min
